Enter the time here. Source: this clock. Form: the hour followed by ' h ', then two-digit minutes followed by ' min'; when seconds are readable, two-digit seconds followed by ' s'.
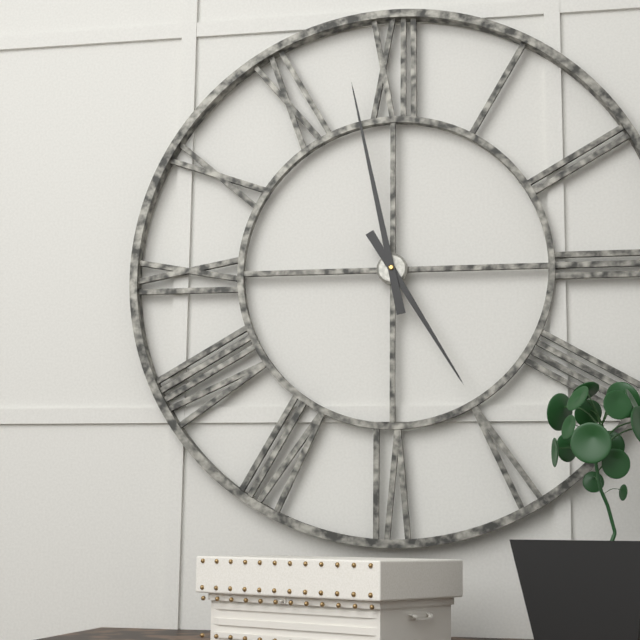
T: 4 h 58 min
